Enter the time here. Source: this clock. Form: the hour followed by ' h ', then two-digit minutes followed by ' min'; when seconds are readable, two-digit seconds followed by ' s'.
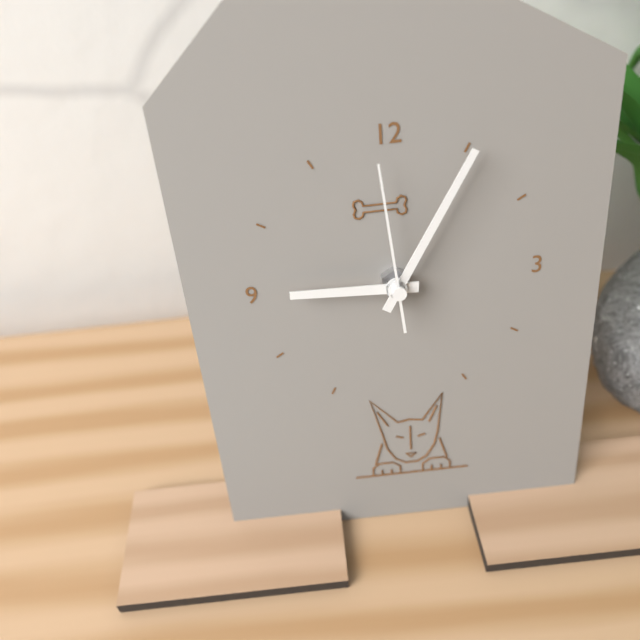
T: 9 h 05 min 59 s
